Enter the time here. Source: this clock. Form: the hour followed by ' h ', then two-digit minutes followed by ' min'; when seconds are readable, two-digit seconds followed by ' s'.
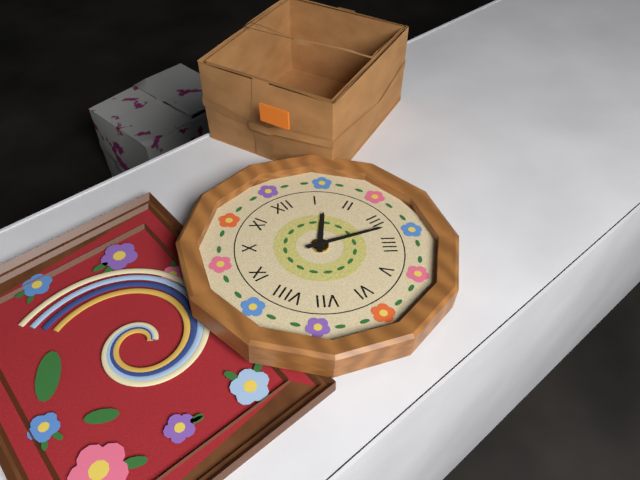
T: 1 h 17 min
